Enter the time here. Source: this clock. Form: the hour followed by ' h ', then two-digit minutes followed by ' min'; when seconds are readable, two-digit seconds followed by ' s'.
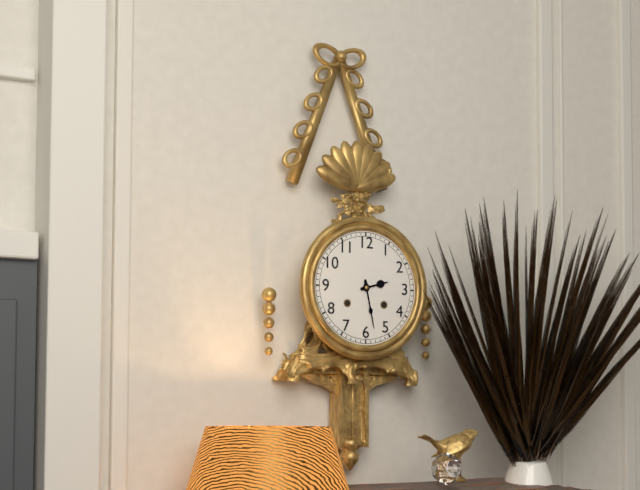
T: 2 h 28 min
